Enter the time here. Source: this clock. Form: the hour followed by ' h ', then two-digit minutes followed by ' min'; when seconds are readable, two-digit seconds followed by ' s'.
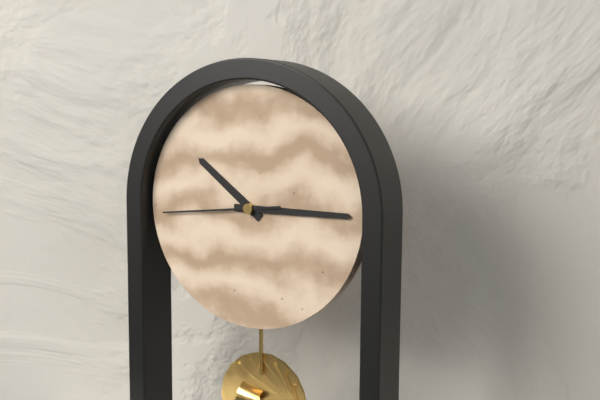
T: 10 h 15 min 44 s
